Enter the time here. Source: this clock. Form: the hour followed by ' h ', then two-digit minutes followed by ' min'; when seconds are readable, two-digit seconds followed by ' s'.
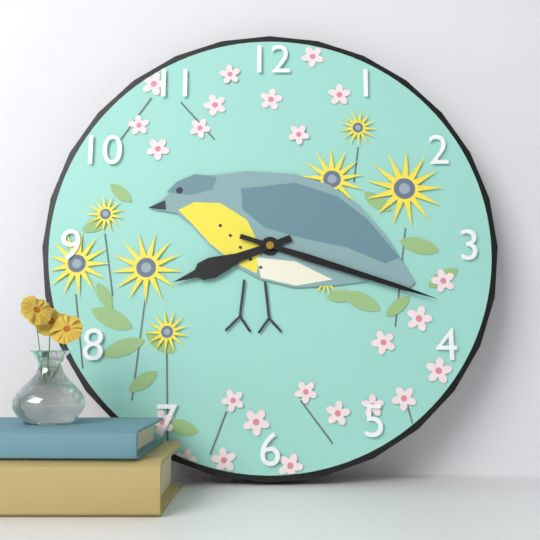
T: 8 h 18 min
